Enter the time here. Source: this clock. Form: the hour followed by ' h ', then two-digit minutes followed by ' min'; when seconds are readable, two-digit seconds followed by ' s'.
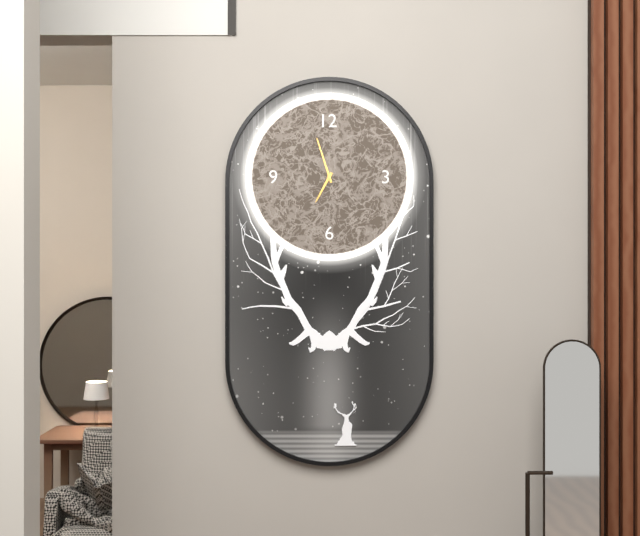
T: 6 h 57 min
